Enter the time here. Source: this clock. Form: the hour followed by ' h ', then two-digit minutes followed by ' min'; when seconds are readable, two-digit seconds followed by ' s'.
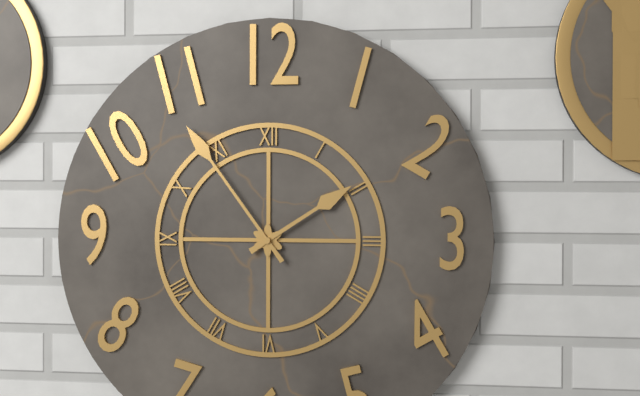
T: 1 h 54 min
